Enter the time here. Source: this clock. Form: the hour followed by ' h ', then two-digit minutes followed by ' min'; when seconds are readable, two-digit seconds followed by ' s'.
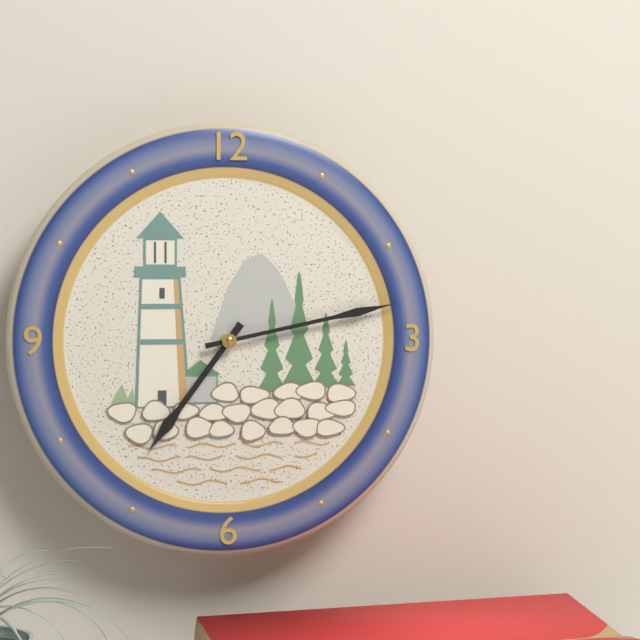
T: 7 h 13 min
